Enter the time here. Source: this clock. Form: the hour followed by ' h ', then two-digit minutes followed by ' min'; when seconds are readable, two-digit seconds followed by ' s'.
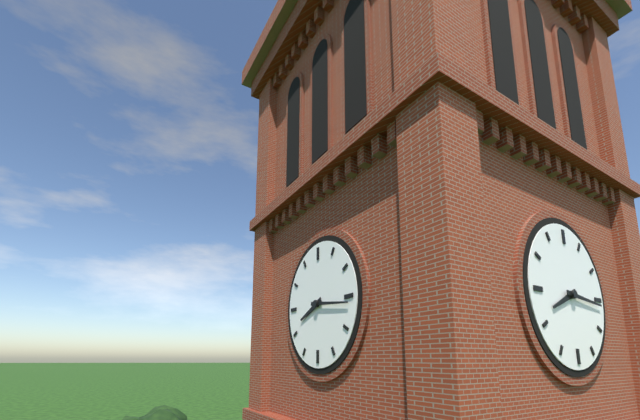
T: 8 h 16 min
